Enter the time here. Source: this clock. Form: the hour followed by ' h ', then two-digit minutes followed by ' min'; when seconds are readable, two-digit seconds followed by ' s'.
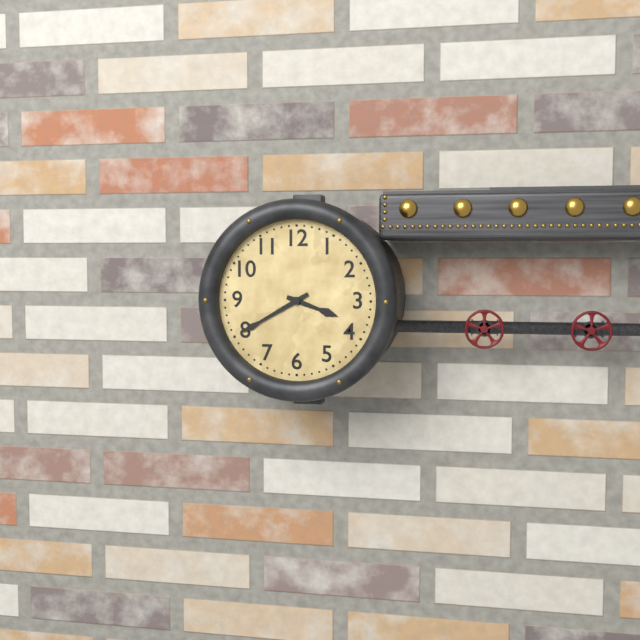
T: 3 h 40 min
